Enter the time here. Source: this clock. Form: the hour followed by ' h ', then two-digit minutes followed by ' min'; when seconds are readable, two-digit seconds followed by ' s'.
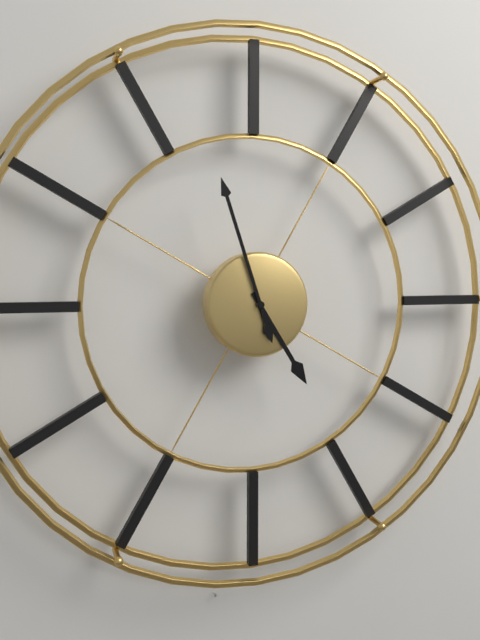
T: 4 h 57 min
